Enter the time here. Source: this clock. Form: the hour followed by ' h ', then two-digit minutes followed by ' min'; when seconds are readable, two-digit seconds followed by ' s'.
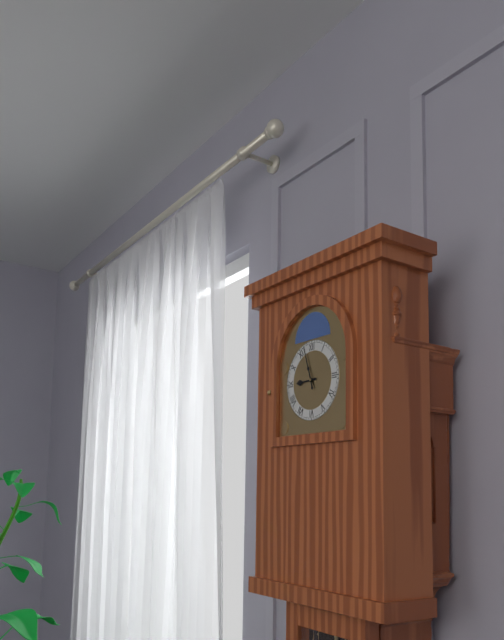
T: 8 h 57 min
